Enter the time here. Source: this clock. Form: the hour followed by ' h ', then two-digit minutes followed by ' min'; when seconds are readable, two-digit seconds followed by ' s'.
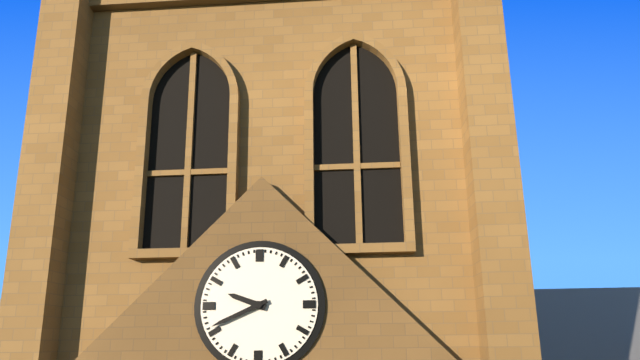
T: 9 h 41 min
